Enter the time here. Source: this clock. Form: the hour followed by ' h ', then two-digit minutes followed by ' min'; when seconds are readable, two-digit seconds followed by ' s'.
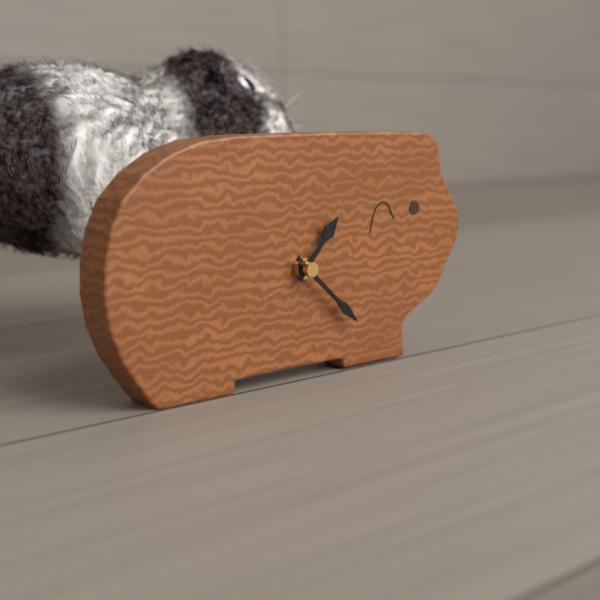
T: 1 h 22 min
